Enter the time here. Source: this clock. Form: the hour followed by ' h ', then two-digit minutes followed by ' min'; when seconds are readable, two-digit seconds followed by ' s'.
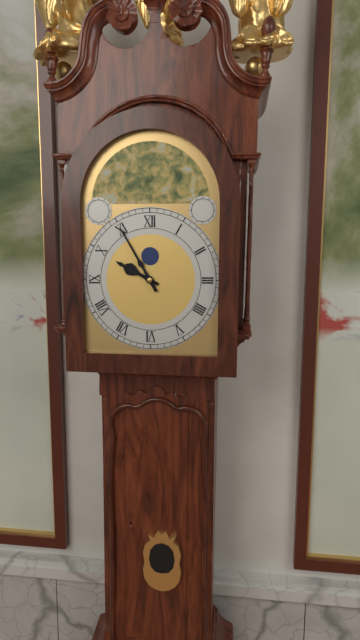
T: 9 h 55 min
